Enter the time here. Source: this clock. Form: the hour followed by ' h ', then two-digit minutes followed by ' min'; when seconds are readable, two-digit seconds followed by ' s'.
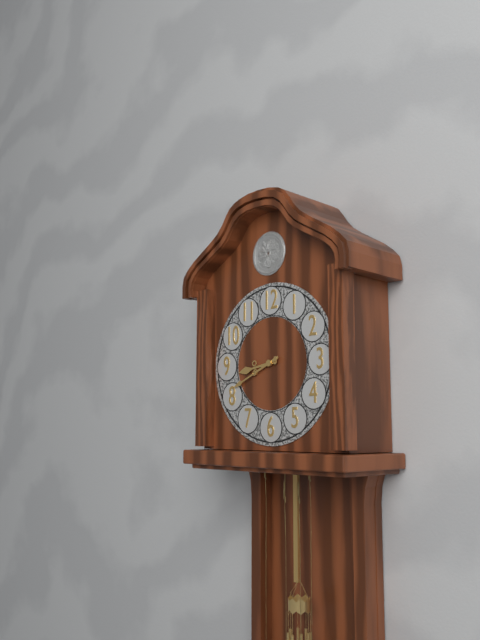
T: 8 h 41 min
